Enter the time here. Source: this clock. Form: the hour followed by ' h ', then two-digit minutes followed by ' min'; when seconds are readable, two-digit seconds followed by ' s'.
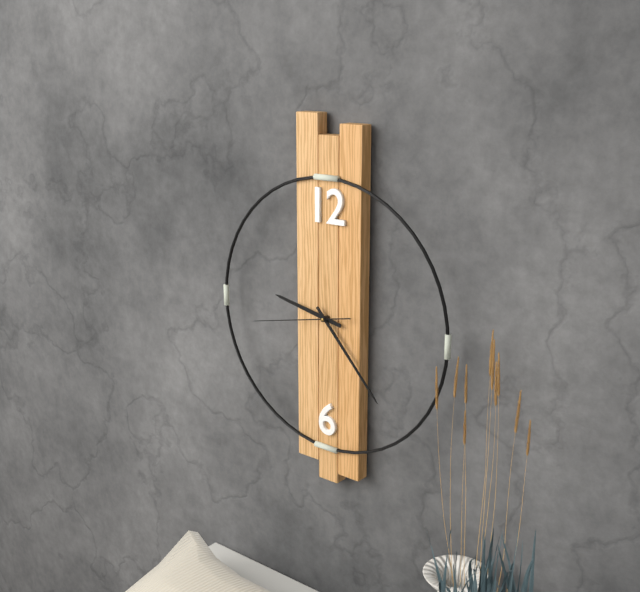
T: 9 h 23 min 43 s
